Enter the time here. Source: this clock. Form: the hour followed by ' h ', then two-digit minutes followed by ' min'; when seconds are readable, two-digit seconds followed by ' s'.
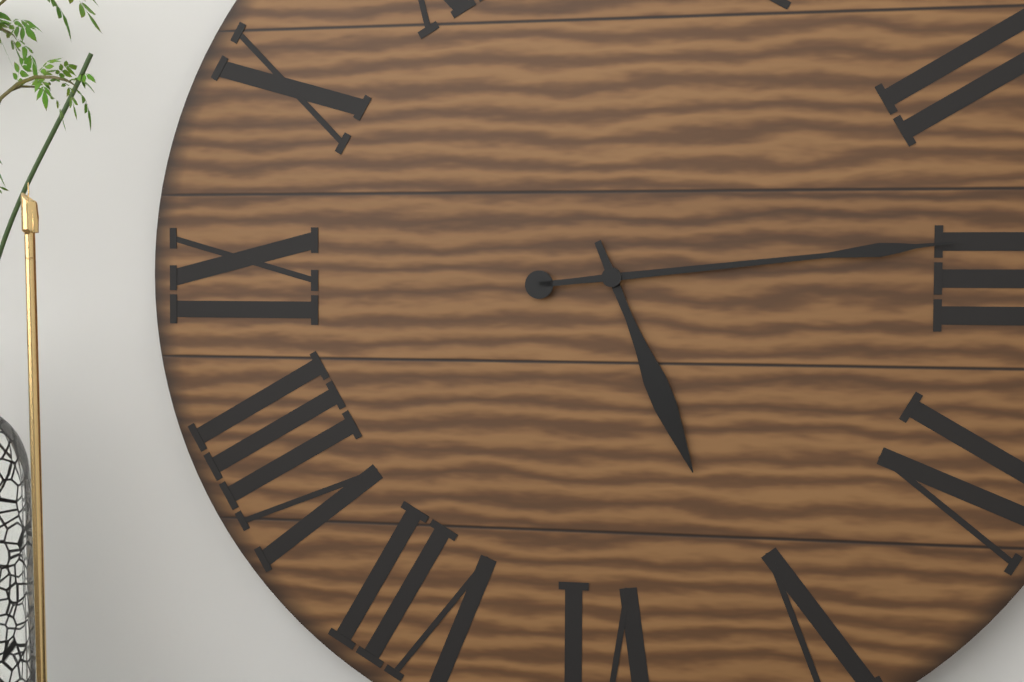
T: 5 h 14 min
